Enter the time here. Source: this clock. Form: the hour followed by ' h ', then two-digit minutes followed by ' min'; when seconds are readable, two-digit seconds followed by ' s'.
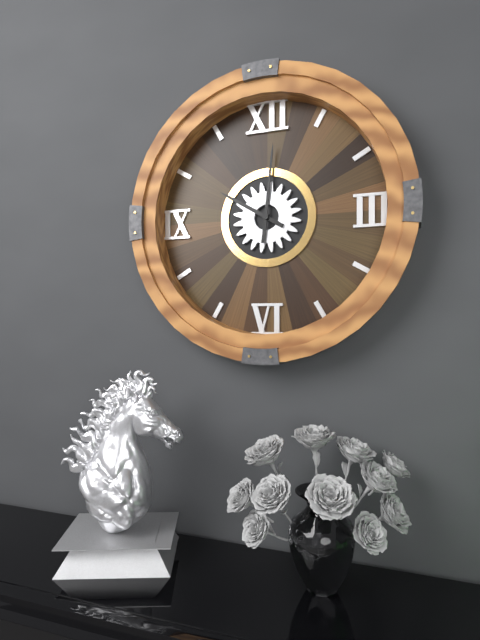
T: 10 h 01 min
